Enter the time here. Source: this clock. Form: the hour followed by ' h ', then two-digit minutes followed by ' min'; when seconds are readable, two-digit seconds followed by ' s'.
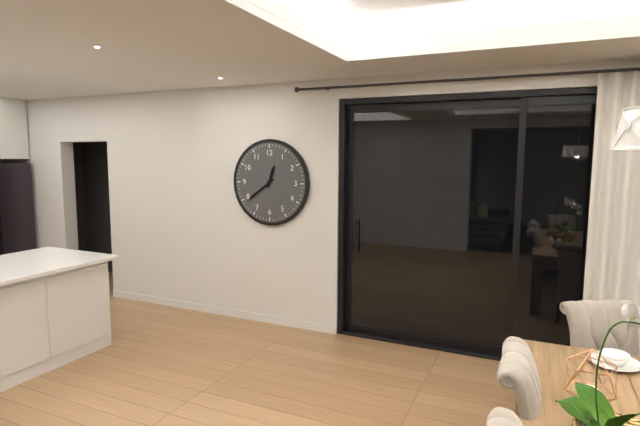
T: 12 h 39 min
